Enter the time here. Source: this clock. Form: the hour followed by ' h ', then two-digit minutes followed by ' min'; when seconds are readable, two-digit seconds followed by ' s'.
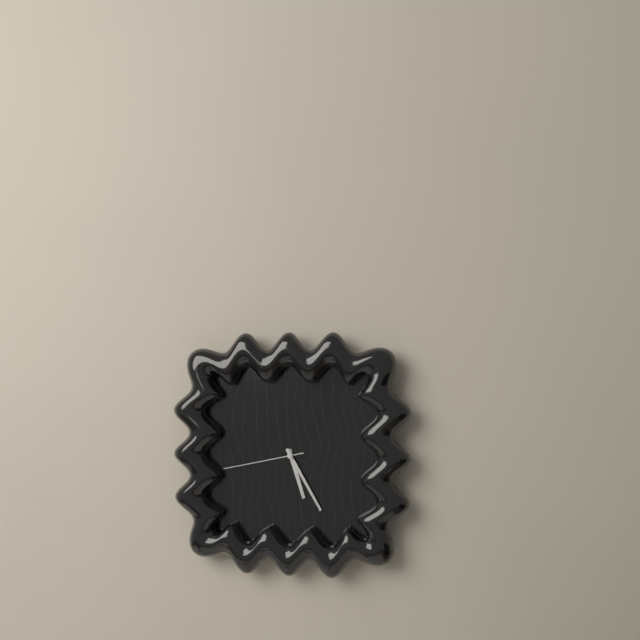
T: 5 h 25 min 43 s
